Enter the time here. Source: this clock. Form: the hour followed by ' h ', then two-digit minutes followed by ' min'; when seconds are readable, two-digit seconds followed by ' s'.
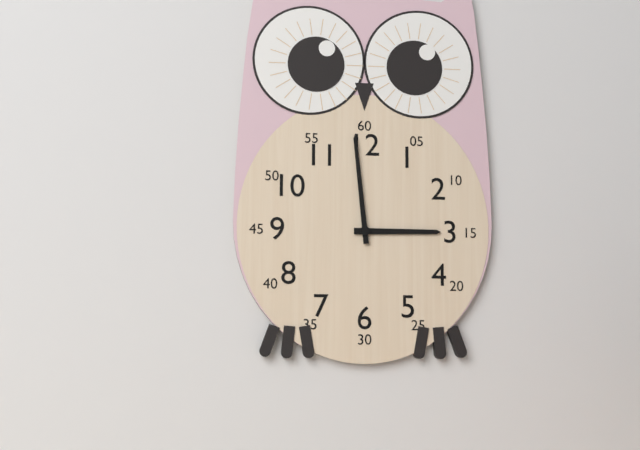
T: 2 h 59 min
